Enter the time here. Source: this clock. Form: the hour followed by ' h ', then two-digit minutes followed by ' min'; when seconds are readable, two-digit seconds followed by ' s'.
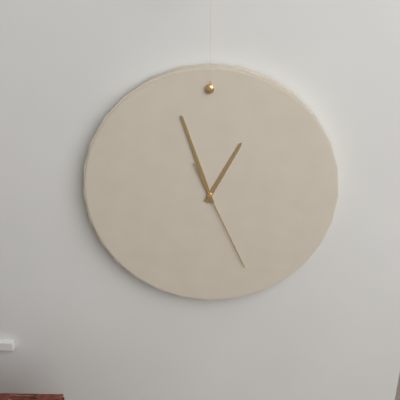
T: 12 h 57 min 26 s
